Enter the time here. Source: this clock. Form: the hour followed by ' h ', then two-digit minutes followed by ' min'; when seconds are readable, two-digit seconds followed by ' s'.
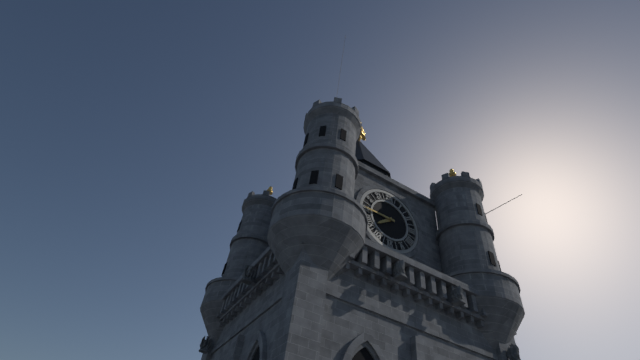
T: 7 h 45 min
